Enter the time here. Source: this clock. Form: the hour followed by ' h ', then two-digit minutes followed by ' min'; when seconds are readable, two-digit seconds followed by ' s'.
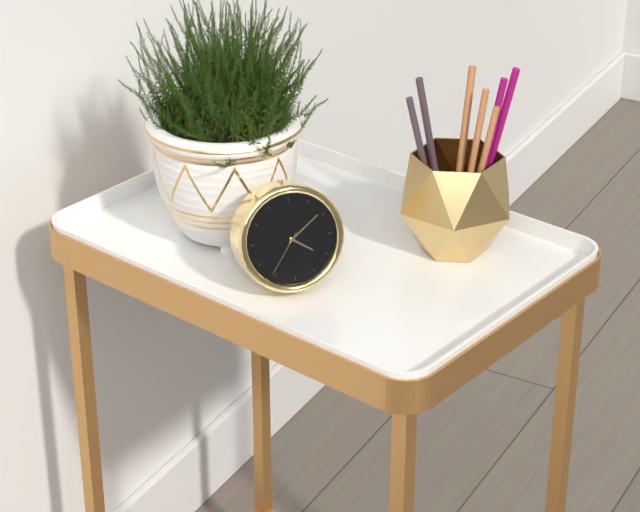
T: 4 h 09 min 36 s
